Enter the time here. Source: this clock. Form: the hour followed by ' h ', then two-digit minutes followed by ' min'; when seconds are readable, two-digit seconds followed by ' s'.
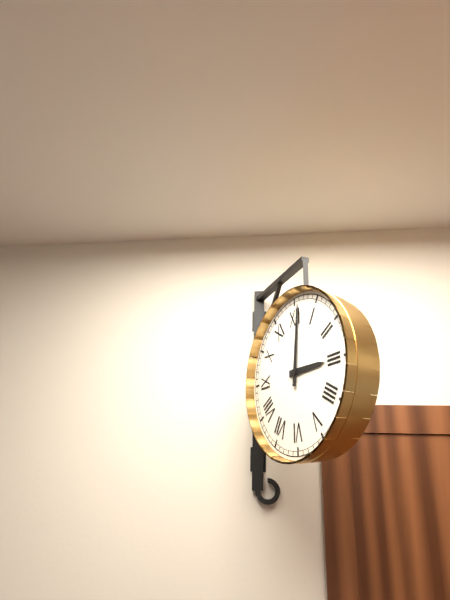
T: 3 h 01 min
